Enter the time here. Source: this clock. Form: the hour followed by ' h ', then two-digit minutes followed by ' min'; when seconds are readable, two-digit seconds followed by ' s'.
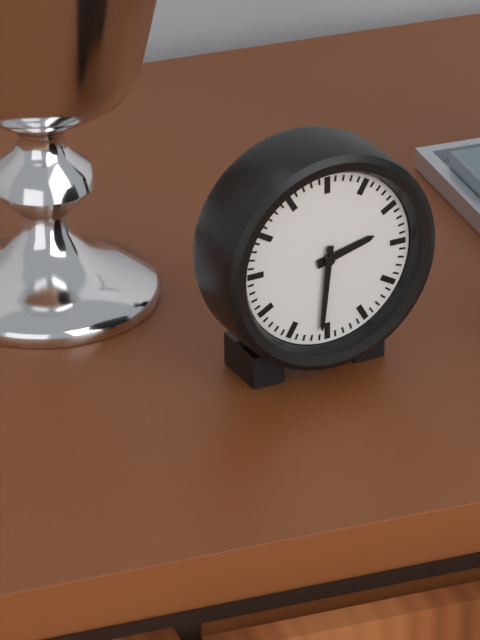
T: 2 h 31 min
